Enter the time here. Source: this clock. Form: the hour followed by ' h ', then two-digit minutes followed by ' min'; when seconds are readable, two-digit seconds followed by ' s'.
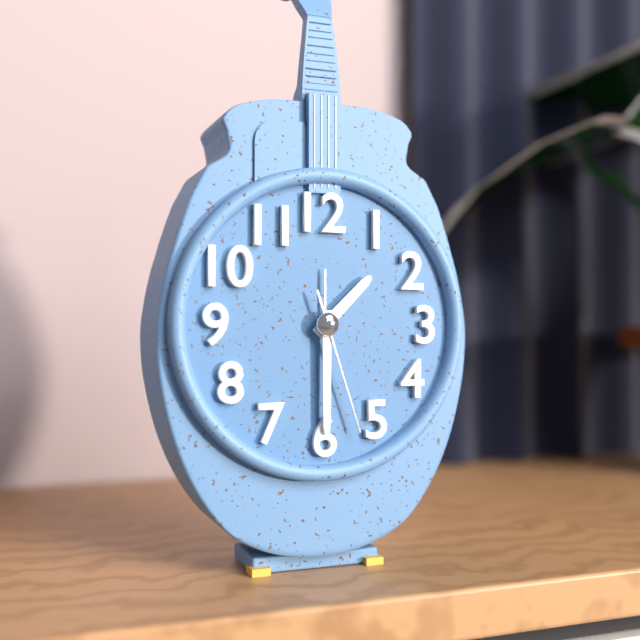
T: 1 h 30 min 27 s
